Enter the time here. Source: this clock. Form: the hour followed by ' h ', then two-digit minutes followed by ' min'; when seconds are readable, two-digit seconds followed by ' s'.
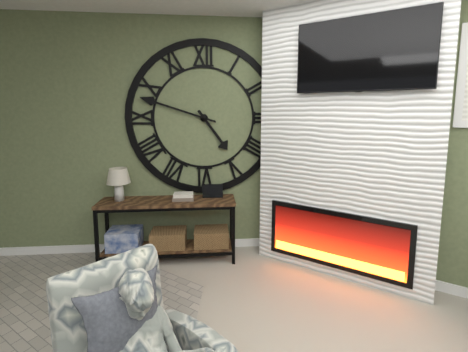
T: 4 h 48 min
